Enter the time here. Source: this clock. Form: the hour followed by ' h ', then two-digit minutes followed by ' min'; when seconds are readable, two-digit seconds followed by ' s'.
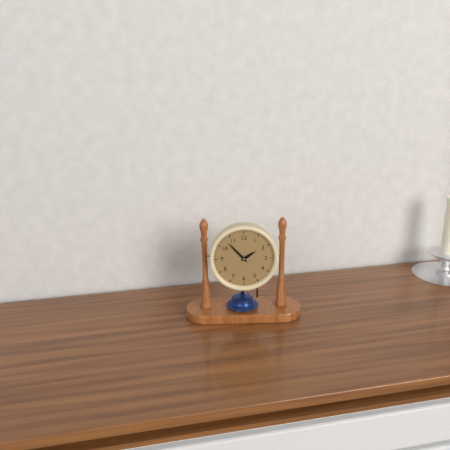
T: 1 h 53 min
